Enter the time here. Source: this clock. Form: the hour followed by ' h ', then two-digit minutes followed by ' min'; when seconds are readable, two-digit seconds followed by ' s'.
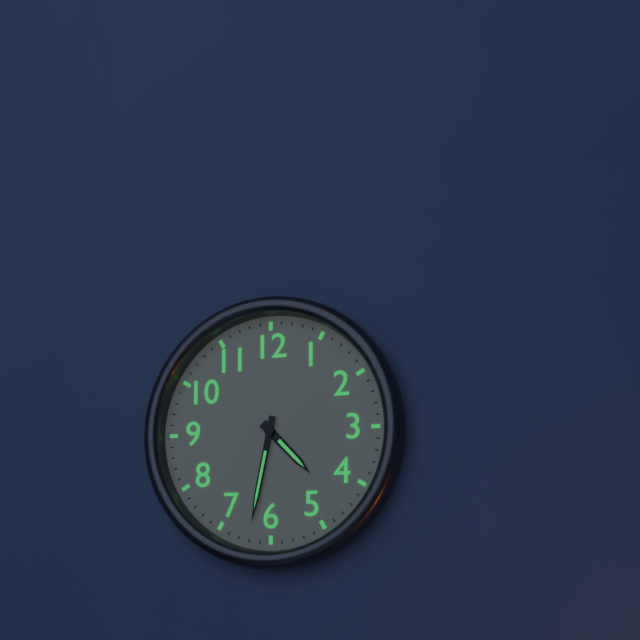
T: 4 h 32 min
